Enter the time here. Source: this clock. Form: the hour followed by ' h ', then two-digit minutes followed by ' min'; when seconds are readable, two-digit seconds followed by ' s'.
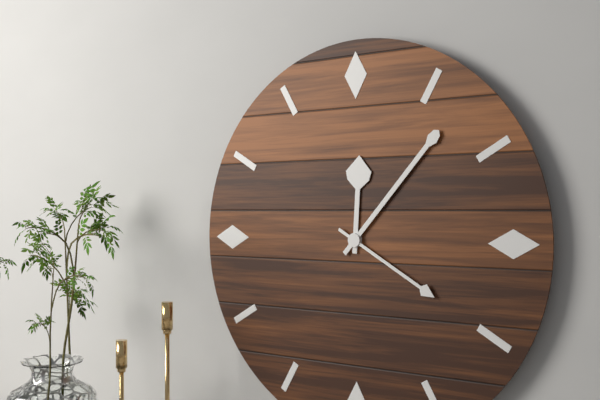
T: 12 h 07 min 20 s
